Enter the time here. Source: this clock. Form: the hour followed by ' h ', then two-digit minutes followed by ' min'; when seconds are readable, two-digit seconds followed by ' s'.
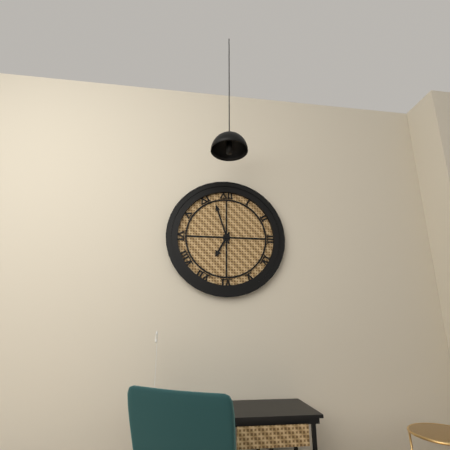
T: 6 h 57 min
